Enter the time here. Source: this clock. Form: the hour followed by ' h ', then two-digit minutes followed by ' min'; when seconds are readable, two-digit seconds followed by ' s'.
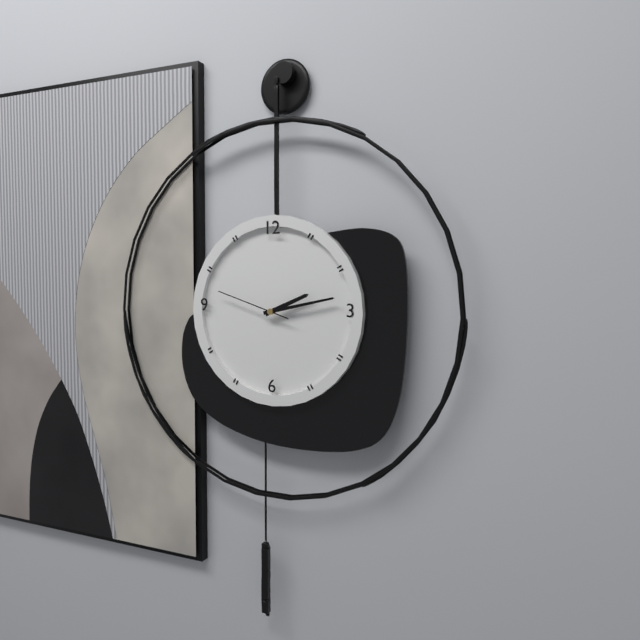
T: 2 h 13 min 48 s
